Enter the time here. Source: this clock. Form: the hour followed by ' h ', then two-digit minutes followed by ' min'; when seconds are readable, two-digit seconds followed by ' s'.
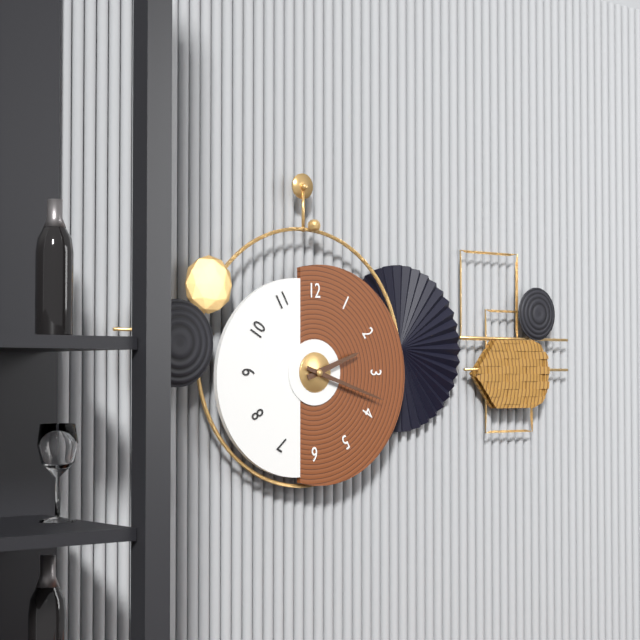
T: 2 h 18 min
